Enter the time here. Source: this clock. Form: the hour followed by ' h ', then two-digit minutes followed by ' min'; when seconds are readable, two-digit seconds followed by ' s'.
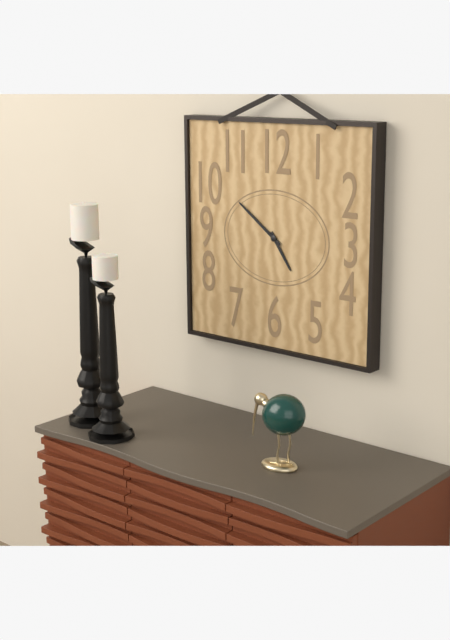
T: 4 h 51 min
